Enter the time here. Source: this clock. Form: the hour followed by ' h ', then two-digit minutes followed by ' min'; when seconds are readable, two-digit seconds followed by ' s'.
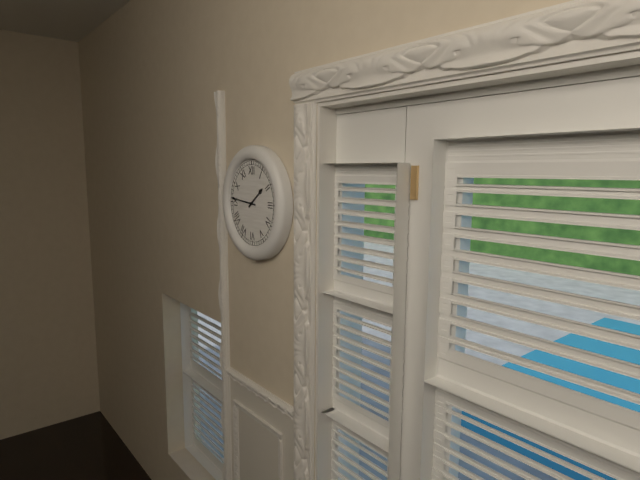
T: 1 h 46 min
